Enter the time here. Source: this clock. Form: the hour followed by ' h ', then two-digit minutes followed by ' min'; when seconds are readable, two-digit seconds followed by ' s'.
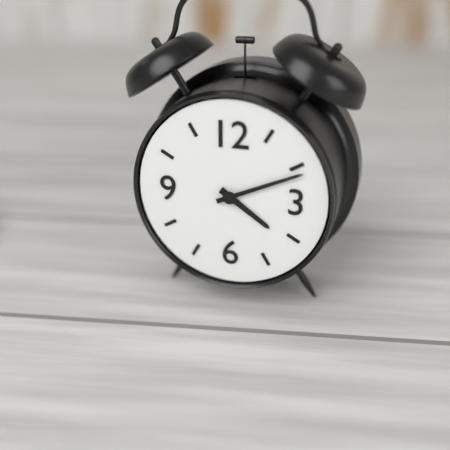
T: 4 h 11 min
